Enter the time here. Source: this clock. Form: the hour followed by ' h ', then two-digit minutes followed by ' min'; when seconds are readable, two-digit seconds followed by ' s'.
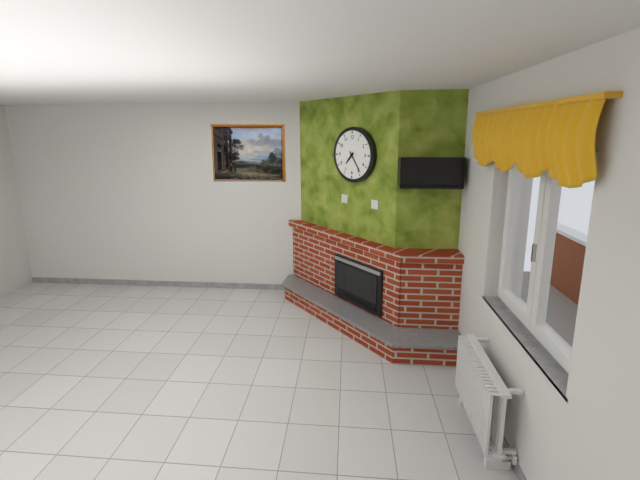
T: 7 h 24 min
